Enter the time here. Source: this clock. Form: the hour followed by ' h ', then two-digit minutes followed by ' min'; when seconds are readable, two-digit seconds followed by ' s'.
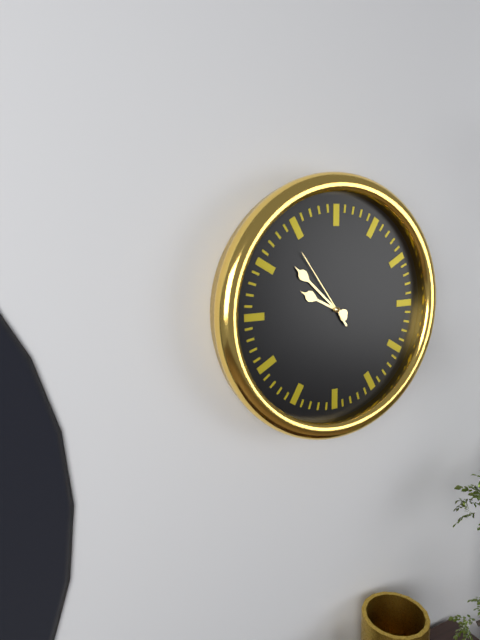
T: 9 h 52 min 54 s
